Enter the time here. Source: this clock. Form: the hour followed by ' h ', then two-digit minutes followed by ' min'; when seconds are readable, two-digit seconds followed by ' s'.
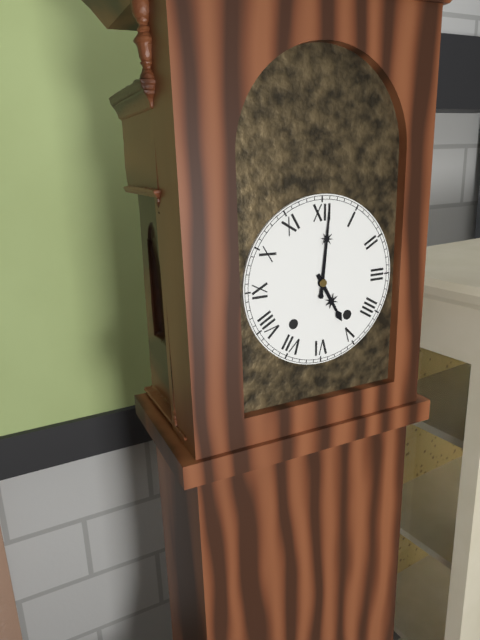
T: 5 h 01 min
